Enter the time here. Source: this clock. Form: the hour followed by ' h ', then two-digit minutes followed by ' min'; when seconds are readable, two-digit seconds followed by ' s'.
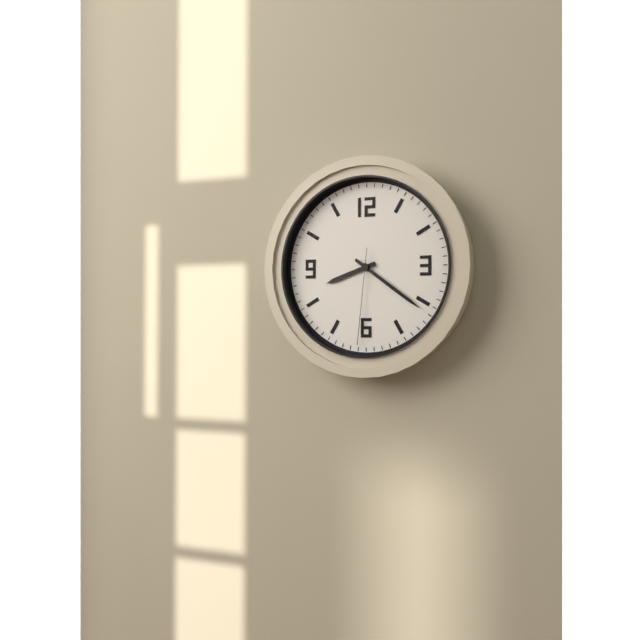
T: 8 h 21 min 31 s
